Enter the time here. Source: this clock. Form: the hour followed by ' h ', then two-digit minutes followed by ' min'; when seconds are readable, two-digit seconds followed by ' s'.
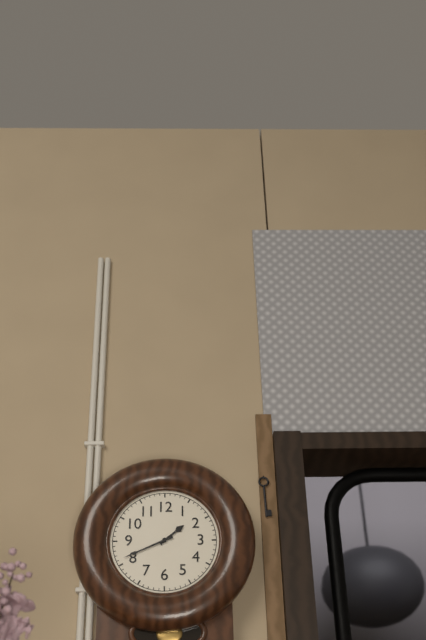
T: 1 h 41 min
